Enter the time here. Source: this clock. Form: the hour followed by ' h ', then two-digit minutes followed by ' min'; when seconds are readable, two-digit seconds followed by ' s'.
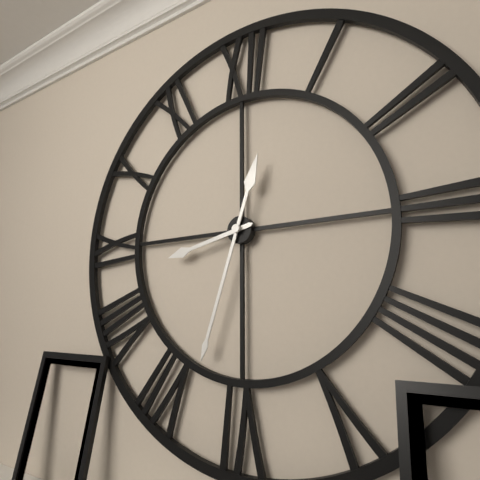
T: 8 h 33 min
